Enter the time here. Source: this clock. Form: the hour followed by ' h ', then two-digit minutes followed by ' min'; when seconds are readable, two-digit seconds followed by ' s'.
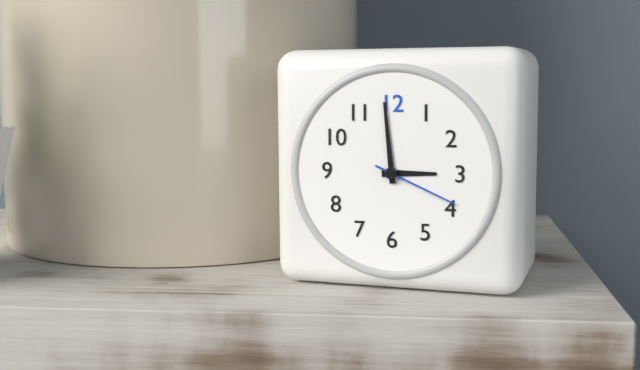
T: 2 h 59 min 19 s
